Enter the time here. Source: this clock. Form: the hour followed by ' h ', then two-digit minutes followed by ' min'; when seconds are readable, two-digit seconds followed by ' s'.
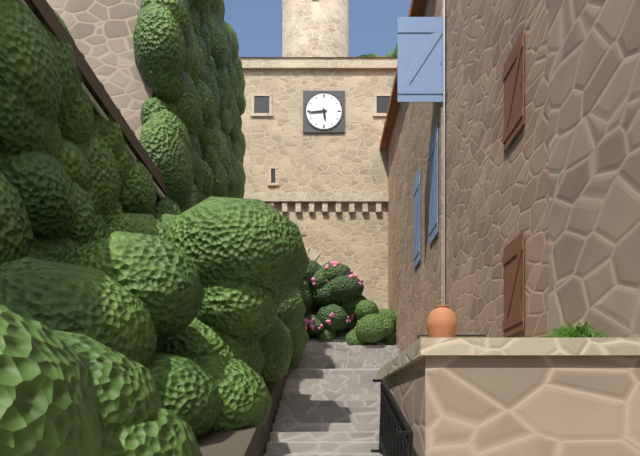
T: 5 h 44 min
